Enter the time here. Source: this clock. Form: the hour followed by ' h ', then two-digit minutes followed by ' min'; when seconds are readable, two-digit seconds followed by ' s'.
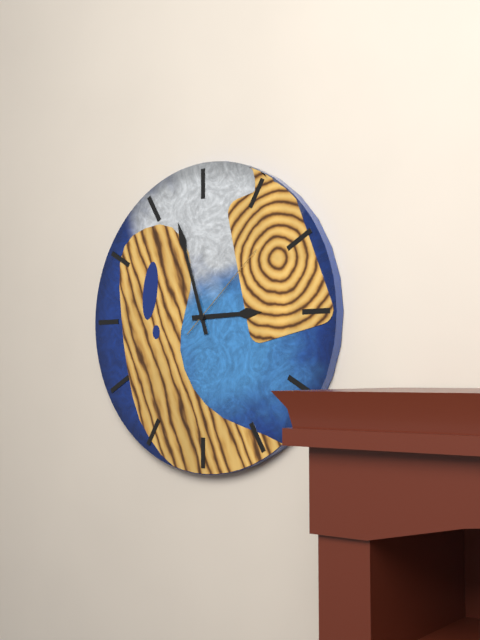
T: 2 h 57 min 08 s
